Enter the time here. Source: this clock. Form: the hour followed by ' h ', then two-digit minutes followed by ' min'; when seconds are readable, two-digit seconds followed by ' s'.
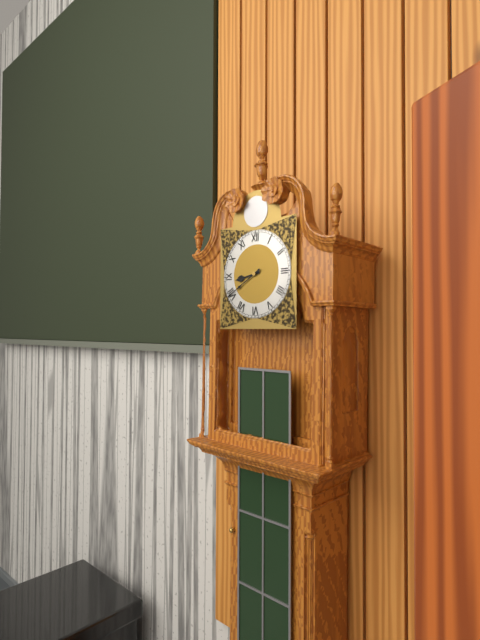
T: 8 h 40 min
